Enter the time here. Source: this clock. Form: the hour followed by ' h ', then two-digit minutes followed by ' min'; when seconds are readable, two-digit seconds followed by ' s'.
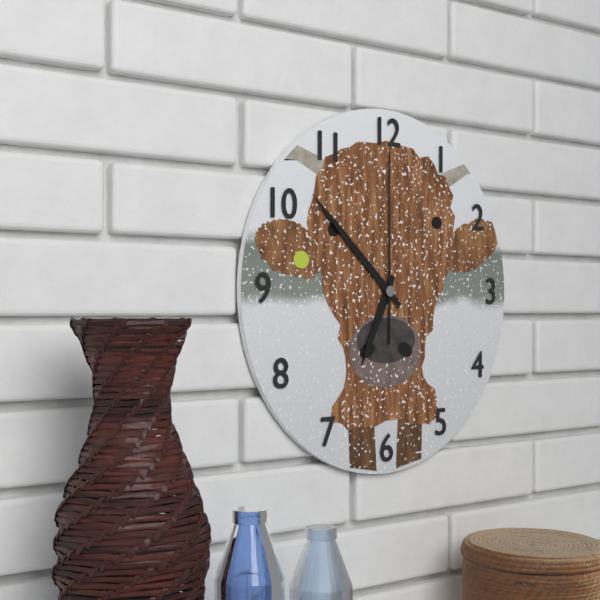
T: 6 h 52 min 00 s
